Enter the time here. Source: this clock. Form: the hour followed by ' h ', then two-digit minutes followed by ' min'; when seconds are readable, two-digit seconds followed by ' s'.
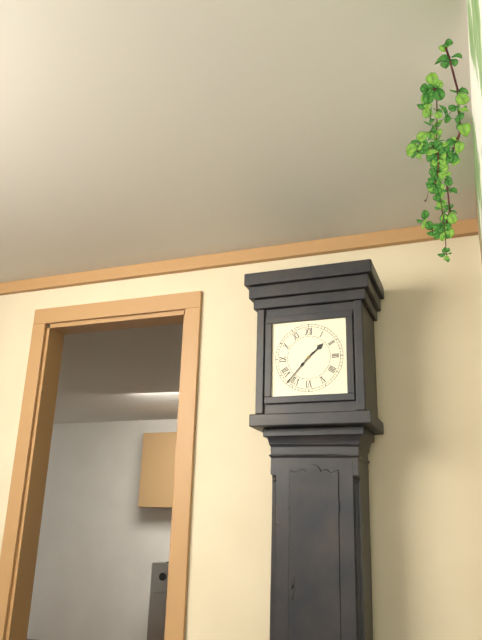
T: 1 h 37 min
